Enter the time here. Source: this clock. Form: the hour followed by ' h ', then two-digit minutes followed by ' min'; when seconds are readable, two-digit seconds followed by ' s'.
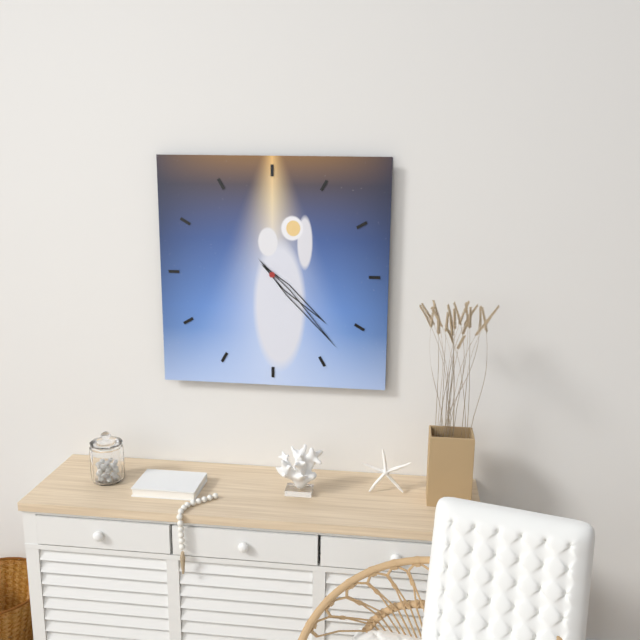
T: 4 h 23 min
